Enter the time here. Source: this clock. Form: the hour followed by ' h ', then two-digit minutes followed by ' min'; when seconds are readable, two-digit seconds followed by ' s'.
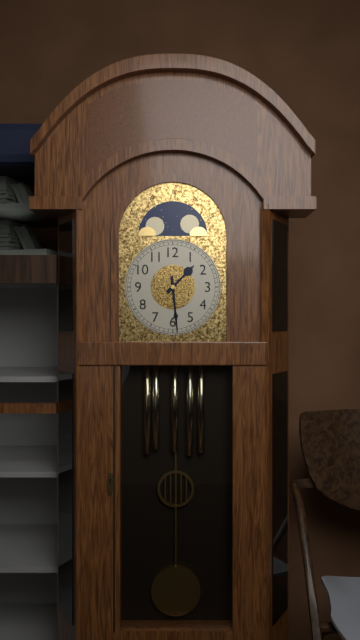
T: 1 h 29 min
